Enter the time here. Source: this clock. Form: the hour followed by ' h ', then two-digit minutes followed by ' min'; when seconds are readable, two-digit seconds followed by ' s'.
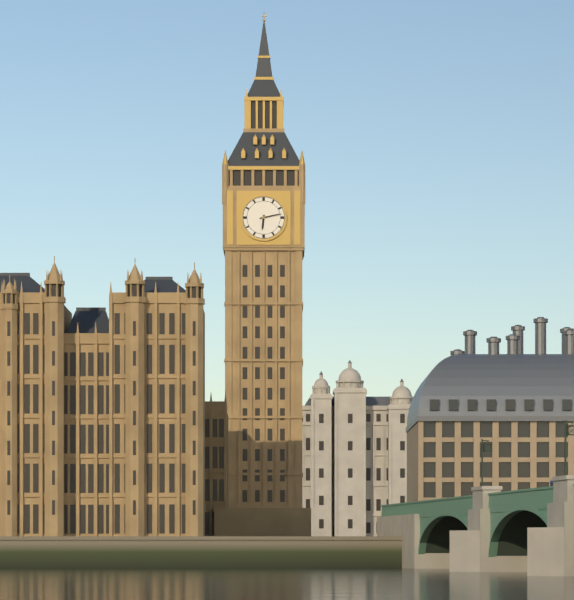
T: 6 h 13 min
